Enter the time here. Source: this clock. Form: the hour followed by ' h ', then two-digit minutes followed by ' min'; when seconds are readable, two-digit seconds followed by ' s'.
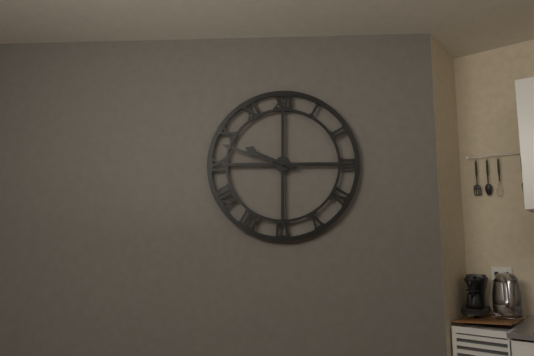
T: 9 h 48 min
